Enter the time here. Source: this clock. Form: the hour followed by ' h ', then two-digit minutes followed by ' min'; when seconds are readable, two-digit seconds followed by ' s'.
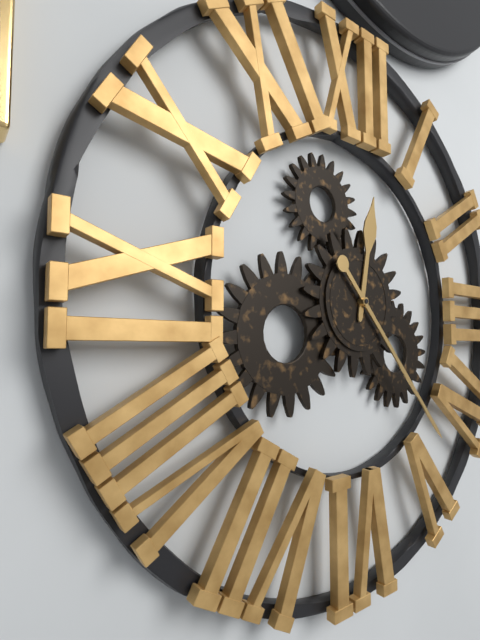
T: 12 h 23 min
